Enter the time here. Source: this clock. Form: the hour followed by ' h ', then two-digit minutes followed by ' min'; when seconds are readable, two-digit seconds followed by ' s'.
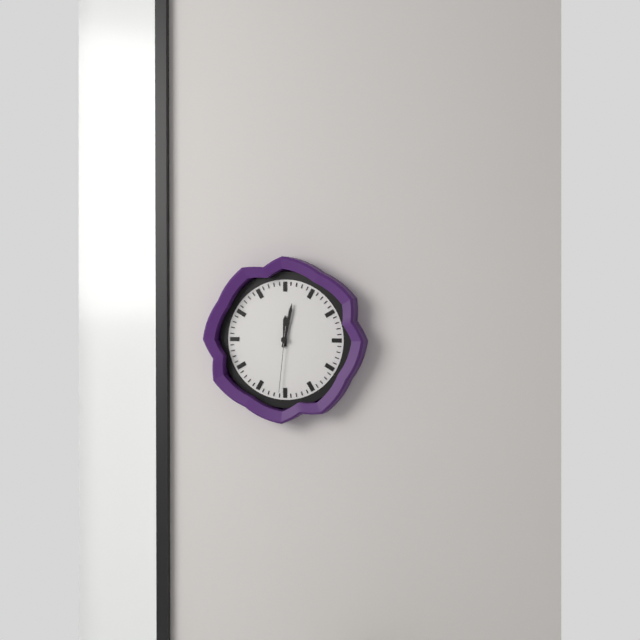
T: 12 h 02 min 31 s
